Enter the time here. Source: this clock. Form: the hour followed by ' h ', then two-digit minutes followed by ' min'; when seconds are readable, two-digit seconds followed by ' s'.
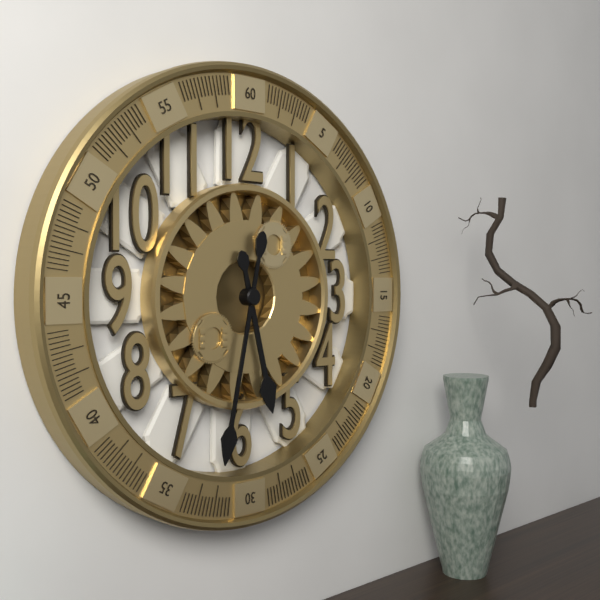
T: 5 h 32 min
